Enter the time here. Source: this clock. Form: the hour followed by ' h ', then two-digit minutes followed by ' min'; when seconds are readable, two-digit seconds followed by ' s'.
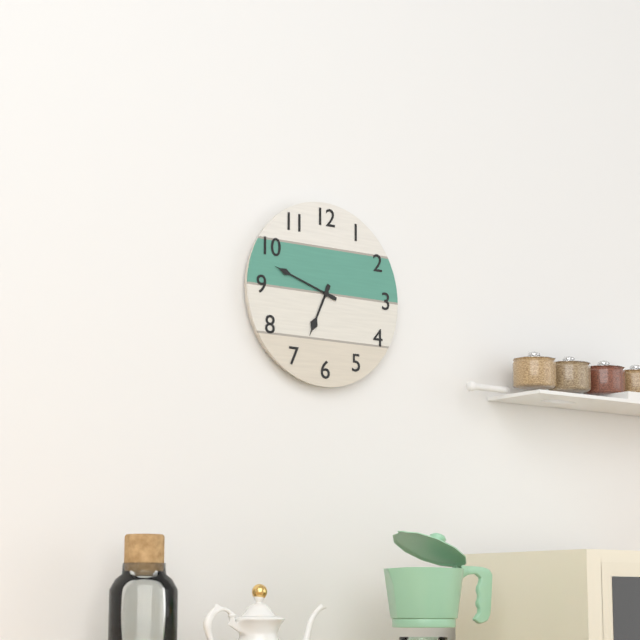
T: 6 h 48 min
